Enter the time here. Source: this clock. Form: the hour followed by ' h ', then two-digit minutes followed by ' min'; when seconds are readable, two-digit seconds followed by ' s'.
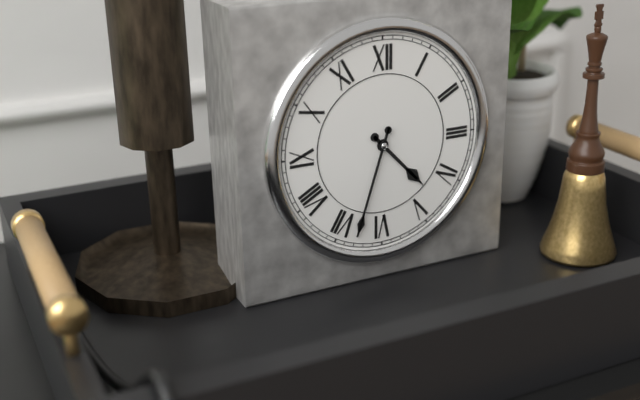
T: 4 h 33 min
